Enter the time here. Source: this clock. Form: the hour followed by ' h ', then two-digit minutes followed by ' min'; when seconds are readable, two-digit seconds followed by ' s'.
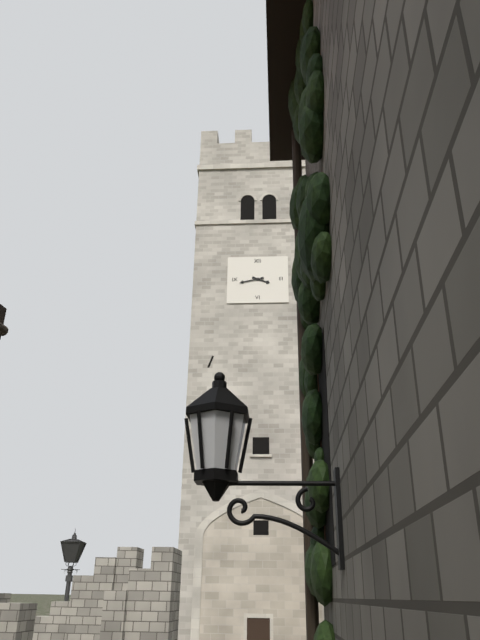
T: 3 h 43 min
